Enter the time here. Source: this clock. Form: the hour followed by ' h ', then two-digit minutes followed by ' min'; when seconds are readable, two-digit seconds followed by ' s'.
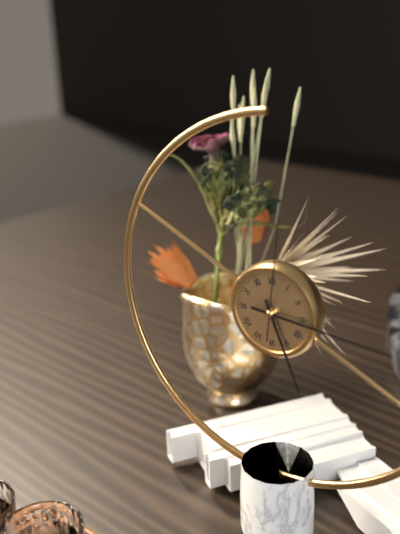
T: 5 h 16 min 01 s
